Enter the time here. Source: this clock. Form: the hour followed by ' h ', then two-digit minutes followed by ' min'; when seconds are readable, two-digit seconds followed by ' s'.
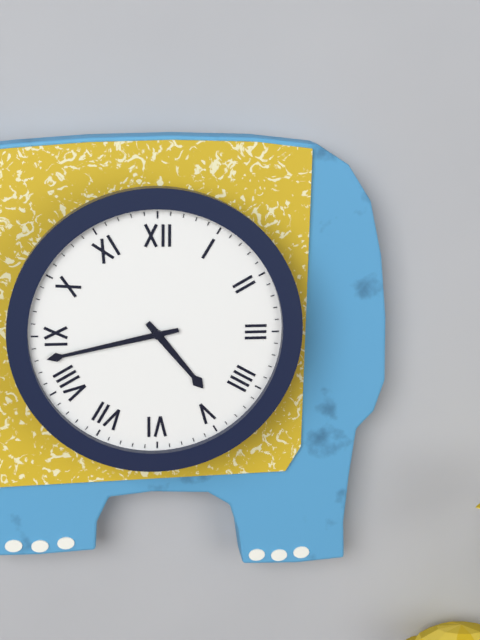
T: 4 h 43 min
